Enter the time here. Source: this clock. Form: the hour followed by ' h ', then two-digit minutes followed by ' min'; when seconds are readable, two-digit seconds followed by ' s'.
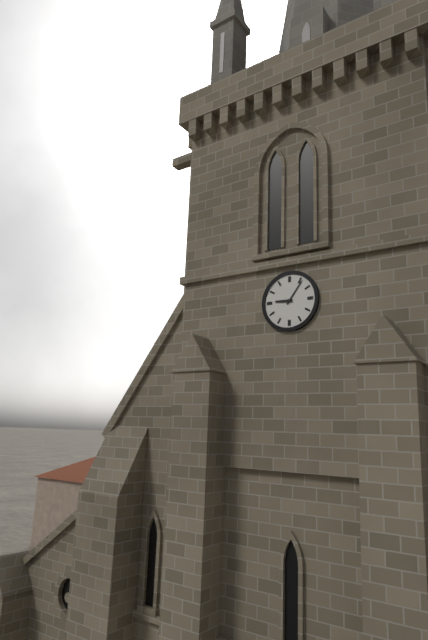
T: 9 h 06 min
